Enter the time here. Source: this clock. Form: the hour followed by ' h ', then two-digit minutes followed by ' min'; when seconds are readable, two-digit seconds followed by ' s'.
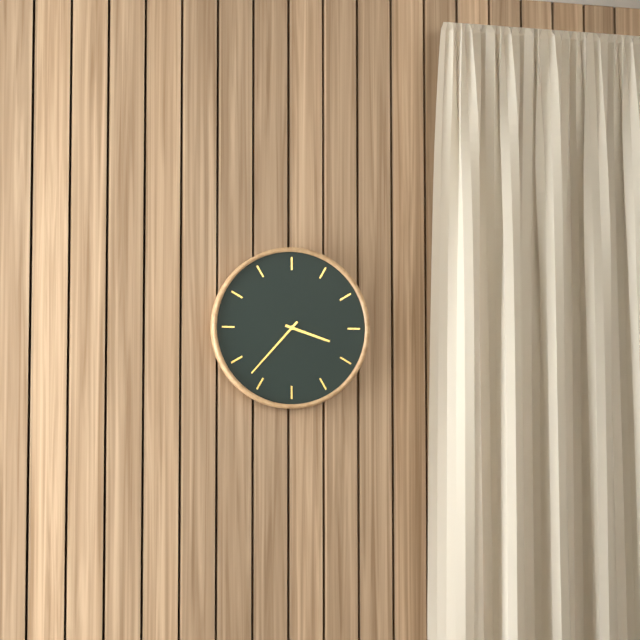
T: 3 h 37 min
